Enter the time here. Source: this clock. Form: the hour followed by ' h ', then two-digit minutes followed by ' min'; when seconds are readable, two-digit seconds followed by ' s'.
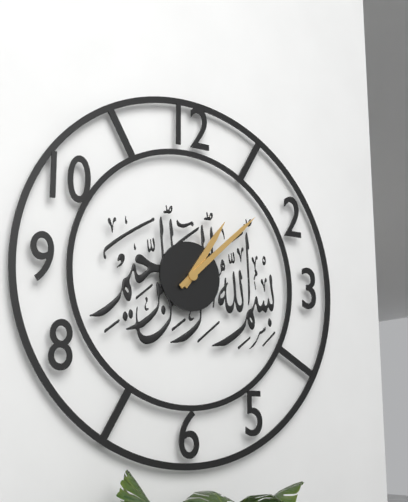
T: 1 h 08 min
